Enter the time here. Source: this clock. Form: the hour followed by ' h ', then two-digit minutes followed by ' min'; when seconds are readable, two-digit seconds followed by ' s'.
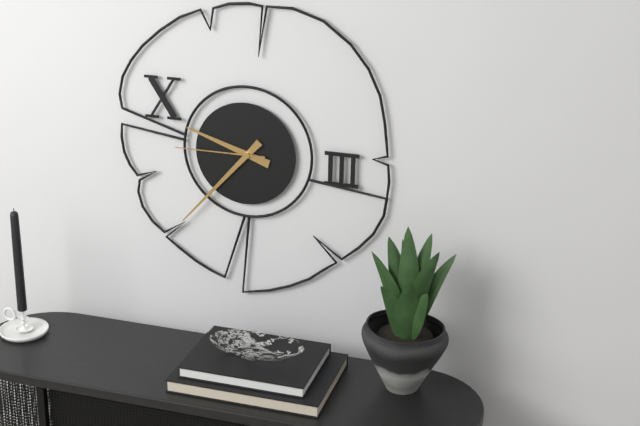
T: 9 h 37 min 45 s
